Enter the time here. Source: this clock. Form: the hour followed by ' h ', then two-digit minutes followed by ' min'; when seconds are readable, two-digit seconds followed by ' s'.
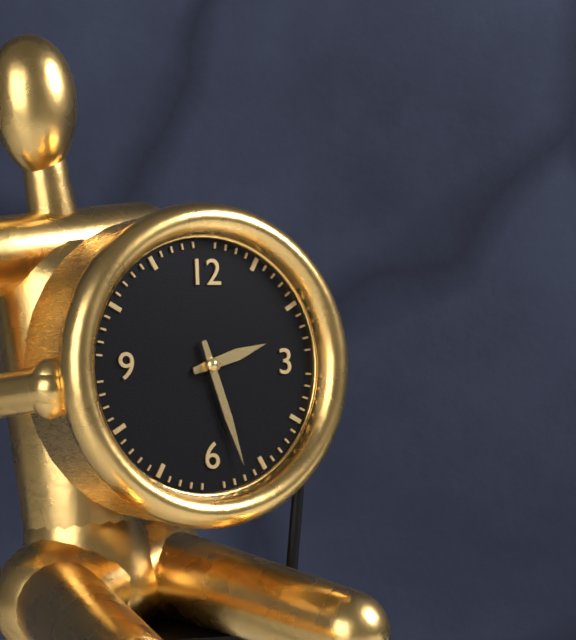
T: 2 h 27 min
